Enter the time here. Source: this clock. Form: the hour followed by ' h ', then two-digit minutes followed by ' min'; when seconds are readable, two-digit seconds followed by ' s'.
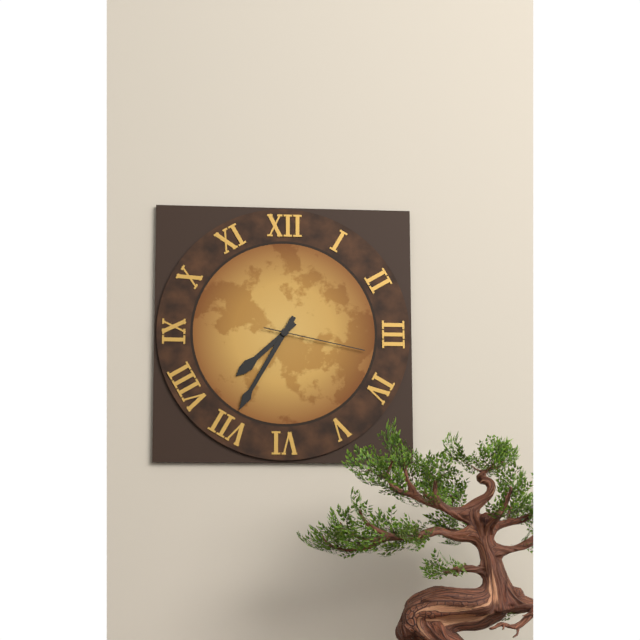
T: 7 h 35 min 17 s
